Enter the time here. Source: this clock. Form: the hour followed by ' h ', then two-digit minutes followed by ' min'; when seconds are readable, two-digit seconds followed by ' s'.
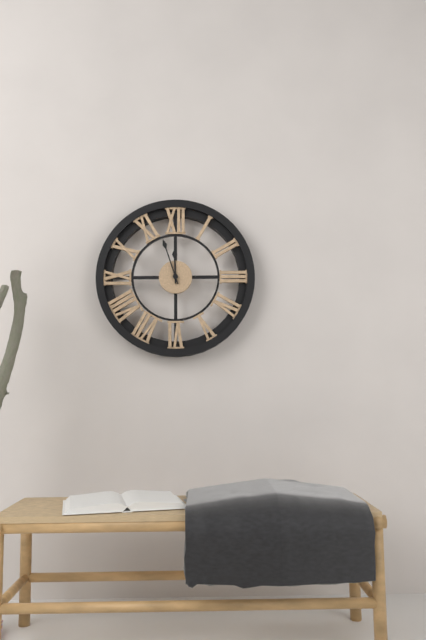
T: 11 h 57 min
